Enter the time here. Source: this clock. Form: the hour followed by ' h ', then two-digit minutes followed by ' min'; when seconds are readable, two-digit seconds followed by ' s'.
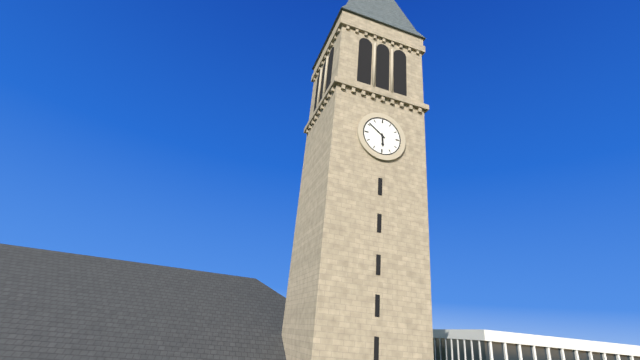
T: 5 h 51 min
